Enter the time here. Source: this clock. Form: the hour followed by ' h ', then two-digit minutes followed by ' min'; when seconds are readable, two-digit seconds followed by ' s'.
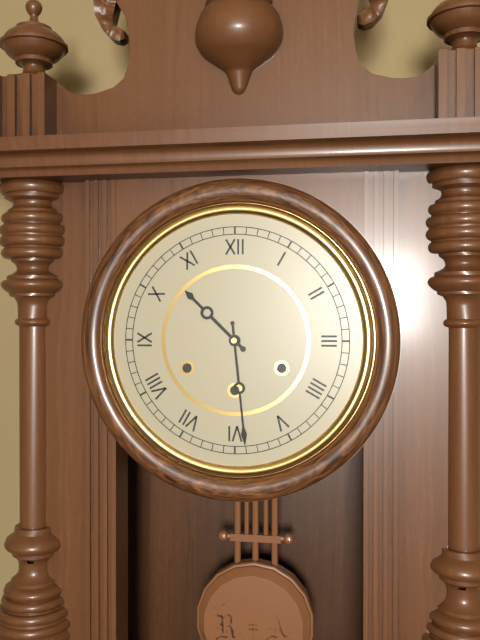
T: 10 h 29 min
